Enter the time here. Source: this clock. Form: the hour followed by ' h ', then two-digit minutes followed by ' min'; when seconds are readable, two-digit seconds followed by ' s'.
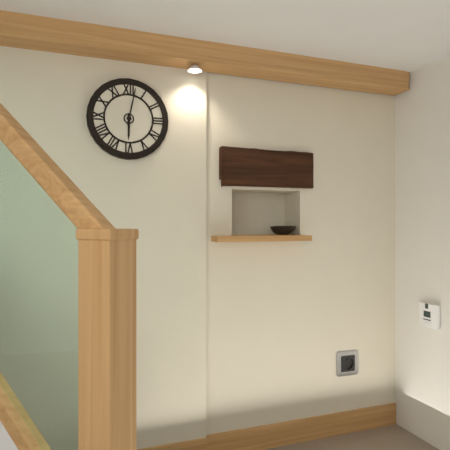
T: 6 h 02 min
